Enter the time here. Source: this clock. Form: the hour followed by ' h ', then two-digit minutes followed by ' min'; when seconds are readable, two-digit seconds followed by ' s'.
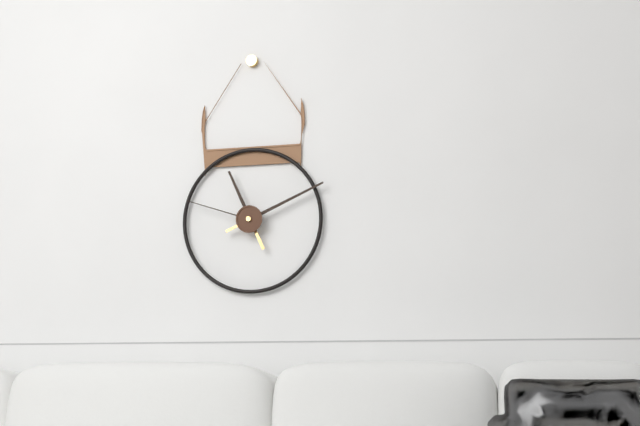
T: 11 h 11 min 48 s
